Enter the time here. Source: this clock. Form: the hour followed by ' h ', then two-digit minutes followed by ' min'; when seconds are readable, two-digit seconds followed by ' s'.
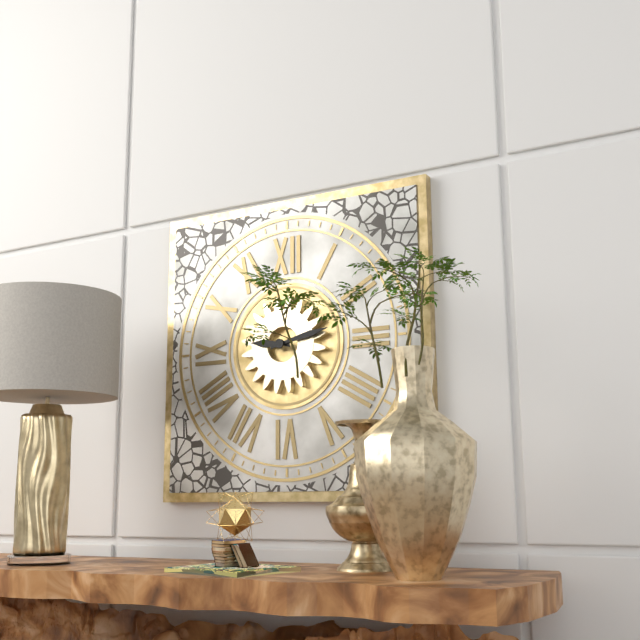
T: 9 h 13 min
